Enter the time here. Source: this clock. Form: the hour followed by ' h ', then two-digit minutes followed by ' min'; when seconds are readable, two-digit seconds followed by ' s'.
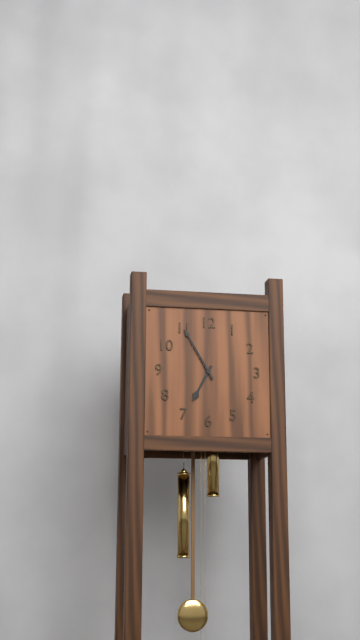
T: 6 h 55 min
